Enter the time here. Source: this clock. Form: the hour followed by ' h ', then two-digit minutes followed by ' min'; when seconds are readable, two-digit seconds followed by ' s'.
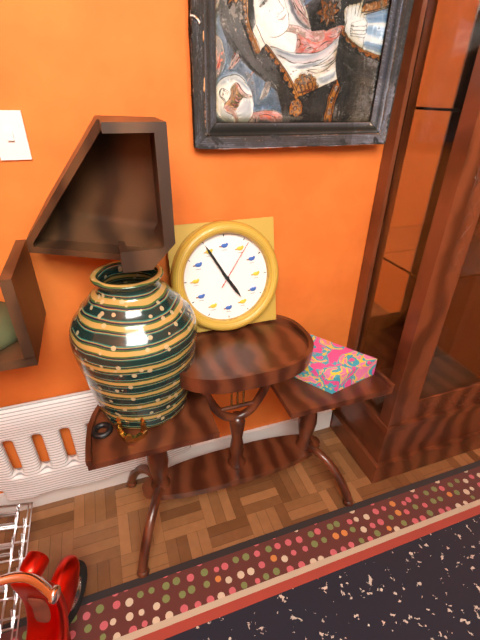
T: 4 h 55 min 06 s
